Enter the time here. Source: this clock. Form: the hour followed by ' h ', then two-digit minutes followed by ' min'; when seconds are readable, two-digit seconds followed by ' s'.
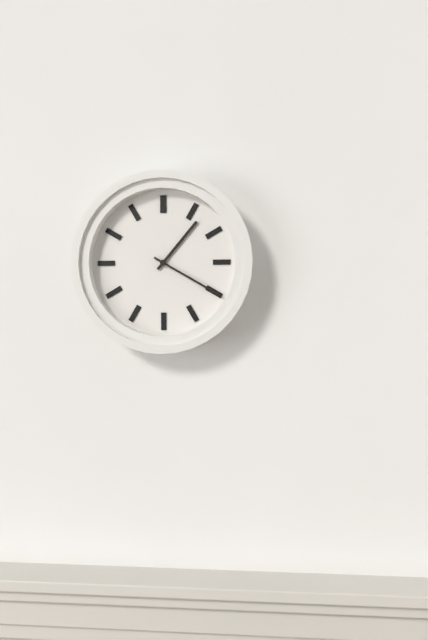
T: 1 h 20 min
